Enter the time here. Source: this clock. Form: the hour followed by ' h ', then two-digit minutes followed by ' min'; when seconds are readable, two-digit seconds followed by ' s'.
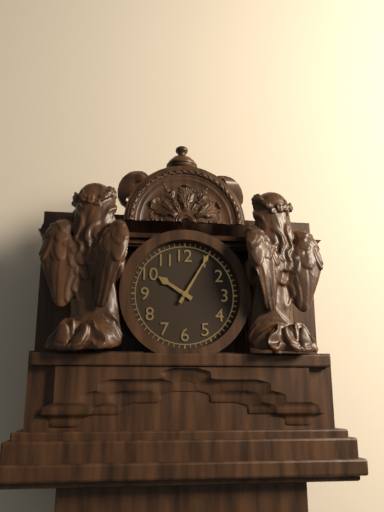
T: 10 h 05 min
